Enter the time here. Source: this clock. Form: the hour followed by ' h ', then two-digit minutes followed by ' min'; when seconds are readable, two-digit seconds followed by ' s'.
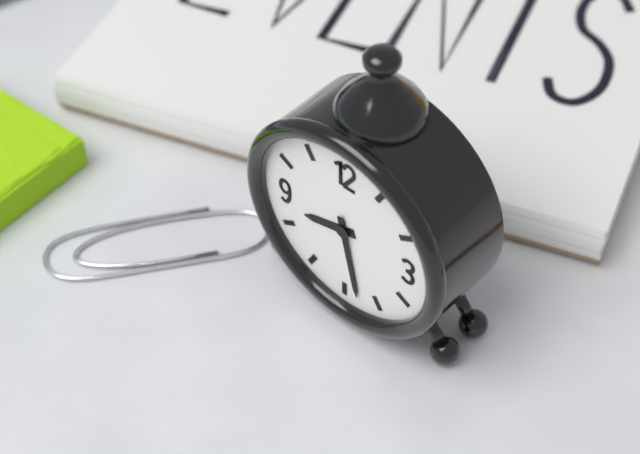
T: 8 h 28 min
